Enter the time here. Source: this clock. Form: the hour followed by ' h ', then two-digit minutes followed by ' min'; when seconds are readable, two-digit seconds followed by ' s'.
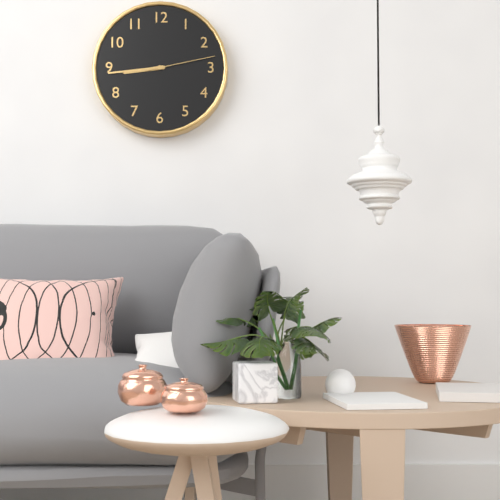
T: 8 h 44 min 13 s
